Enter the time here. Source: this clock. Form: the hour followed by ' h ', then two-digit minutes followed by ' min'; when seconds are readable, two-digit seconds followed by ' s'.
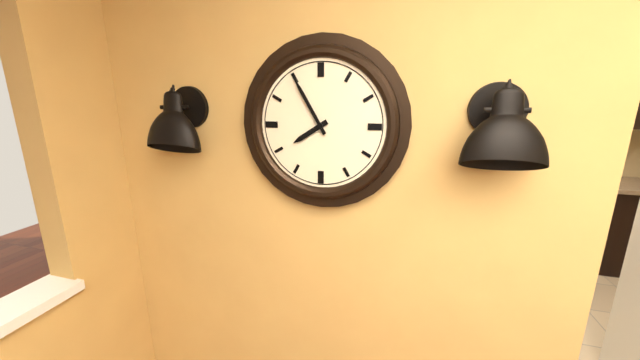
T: 7 h 55 min
